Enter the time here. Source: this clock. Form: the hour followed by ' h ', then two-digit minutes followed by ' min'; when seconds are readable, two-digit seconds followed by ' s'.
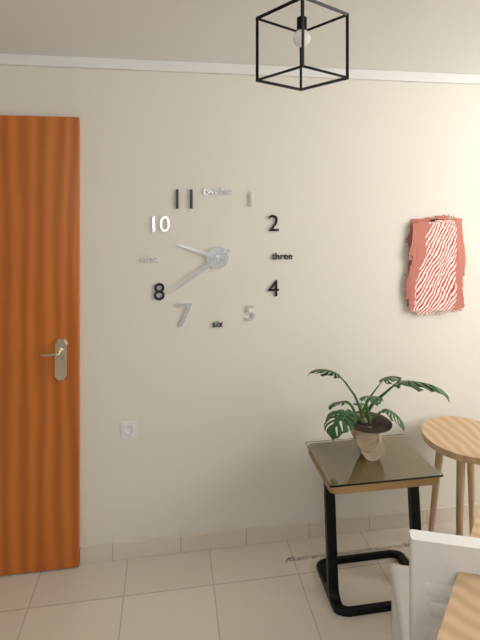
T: 9 h 39 min
